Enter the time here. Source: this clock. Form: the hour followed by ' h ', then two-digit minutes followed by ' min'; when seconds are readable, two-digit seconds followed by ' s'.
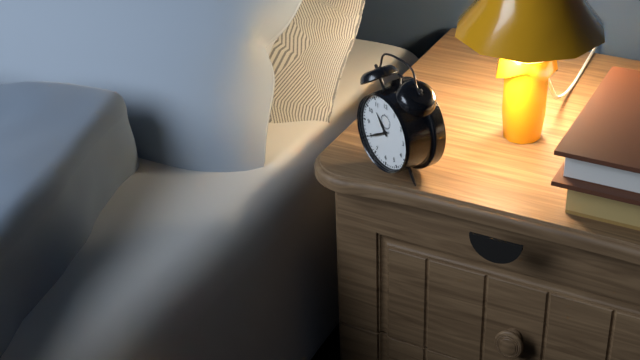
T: 10 h 40 min
